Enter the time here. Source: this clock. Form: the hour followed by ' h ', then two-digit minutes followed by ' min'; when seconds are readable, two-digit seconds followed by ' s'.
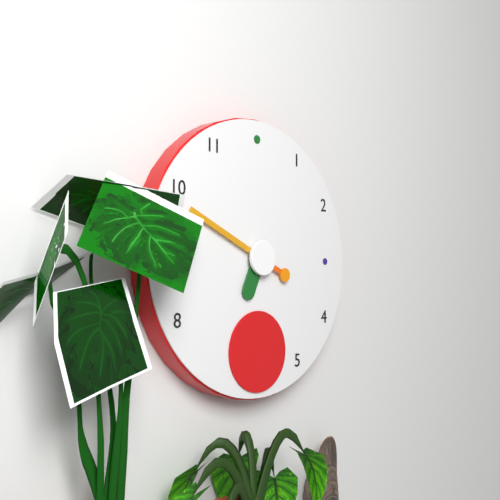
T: 6 h 49 min
